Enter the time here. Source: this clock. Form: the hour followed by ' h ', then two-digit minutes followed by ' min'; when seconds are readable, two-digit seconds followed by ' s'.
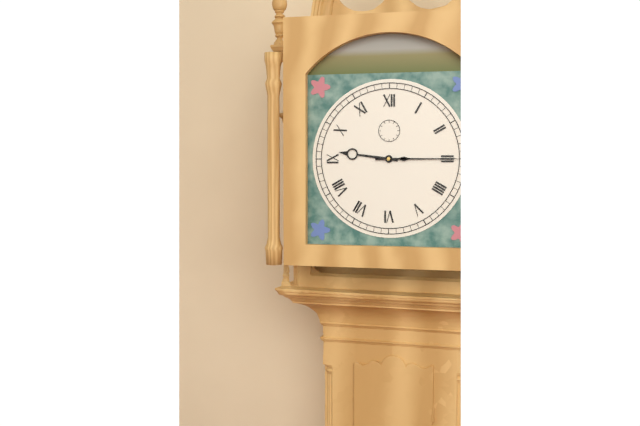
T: 9 h 15 min
